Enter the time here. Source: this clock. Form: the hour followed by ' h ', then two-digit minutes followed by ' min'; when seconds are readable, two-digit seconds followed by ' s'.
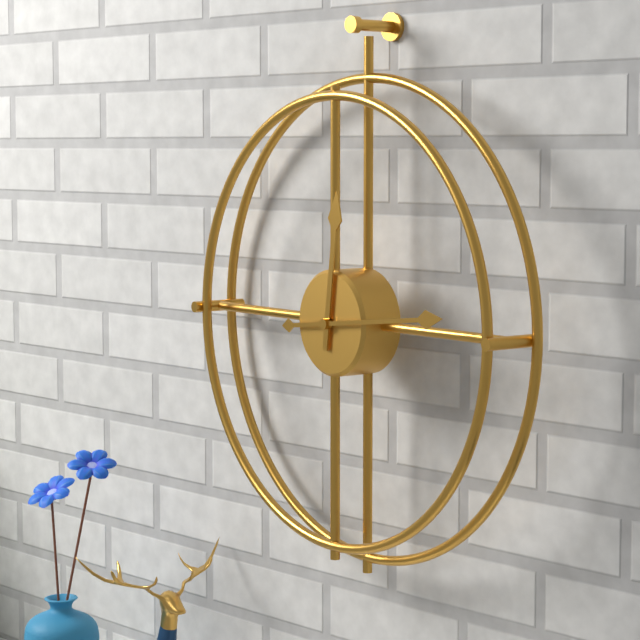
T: 12 h 14 min
